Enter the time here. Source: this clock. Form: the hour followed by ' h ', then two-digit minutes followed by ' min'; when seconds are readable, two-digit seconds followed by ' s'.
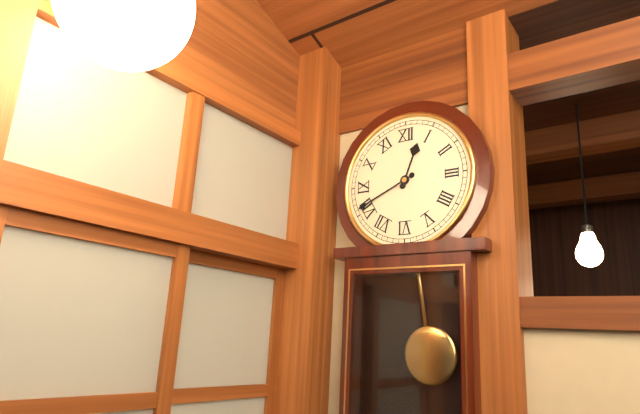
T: 12 h 41 min
